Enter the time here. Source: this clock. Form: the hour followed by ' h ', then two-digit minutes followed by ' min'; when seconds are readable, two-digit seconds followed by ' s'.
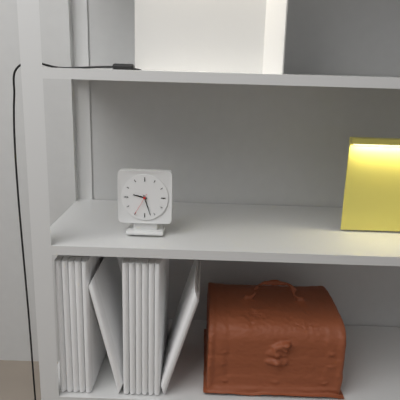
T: 9 h 27 min
